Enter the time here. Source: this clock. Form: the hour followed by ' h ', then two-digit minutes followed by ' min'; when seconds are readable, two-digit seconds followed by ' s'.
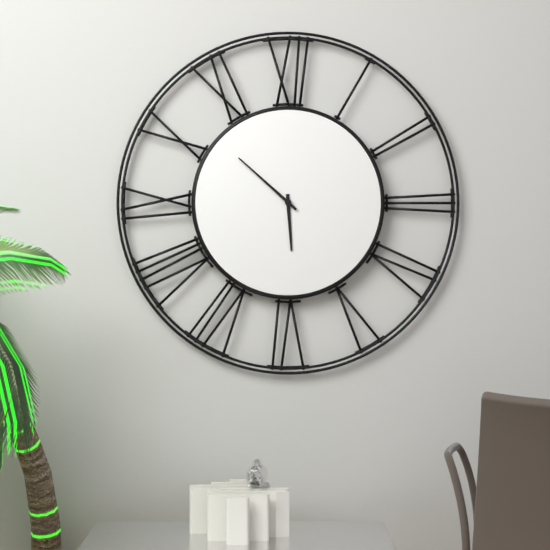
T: 5 h 52 min
